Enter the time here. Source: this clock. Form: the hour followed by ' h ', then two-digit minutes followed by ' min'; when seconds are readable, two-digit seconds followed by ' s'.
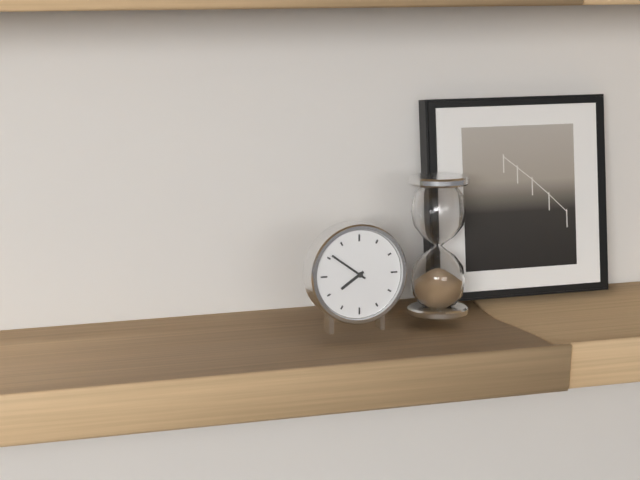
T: 7 h 51 min
